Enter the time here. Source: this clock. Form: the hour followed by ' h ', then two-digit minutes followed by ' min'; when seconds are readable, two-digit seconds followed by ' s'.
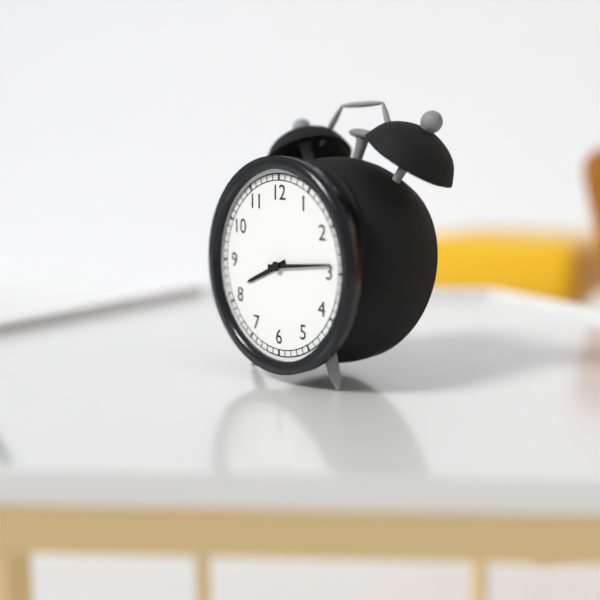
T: 8 h 14 min
